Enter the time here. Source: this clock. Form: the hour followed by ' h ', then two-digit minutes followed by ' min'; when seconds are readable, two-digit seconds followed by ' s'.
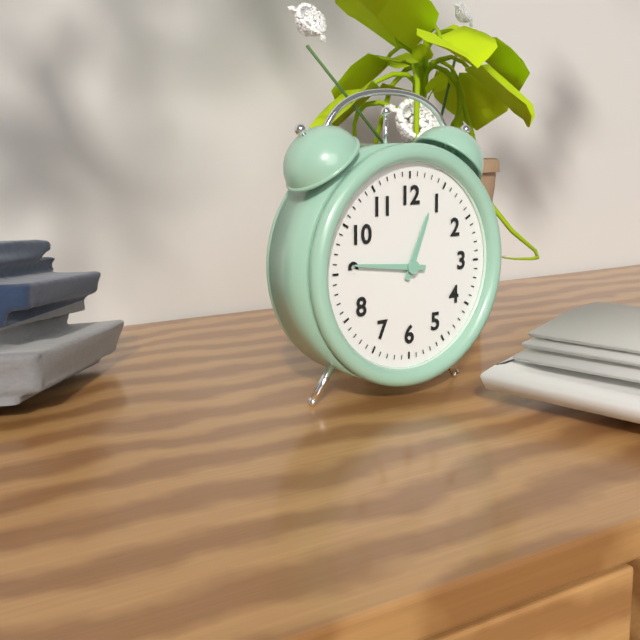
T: 12 h 46 min
